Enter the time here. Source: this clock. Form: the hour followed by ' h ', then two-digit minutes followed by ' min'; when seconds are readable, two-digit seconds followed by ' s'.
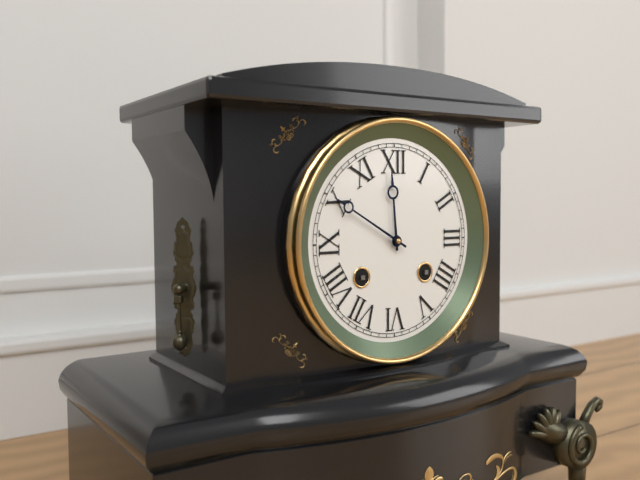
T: 11 h 50 min
